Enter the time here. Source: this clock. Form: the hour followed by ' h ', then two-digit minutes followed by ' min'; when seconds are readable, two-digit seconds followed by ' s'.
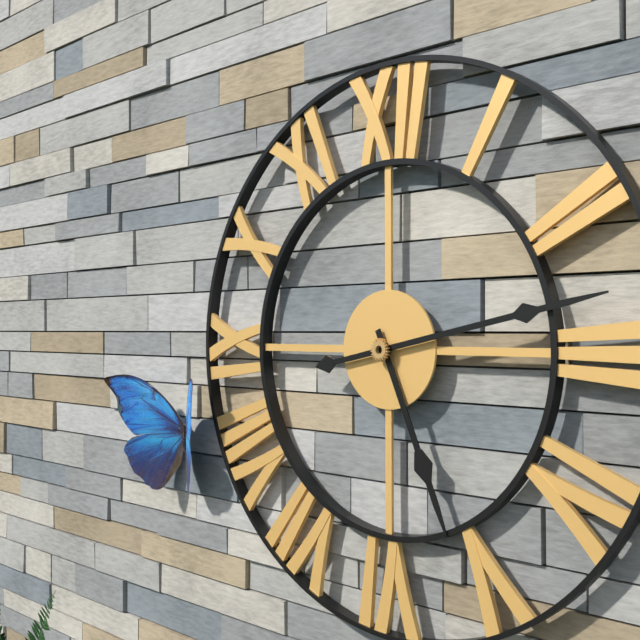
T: 5 h 13 min
